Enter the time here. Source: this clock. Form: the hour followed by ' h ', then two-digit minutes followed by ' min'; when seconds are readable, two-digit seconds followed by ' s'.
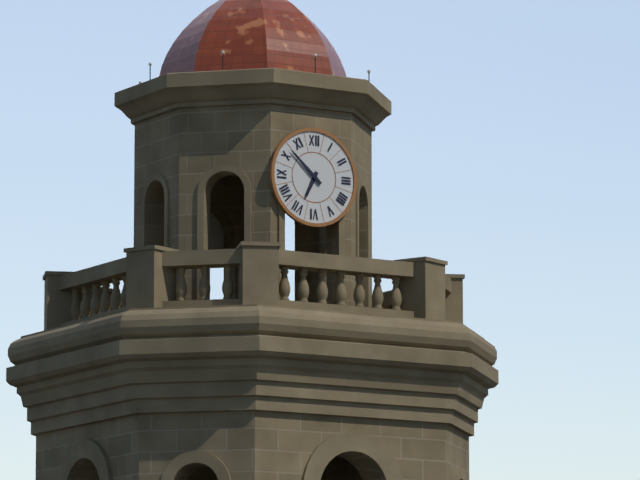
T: 6 h 52 min
